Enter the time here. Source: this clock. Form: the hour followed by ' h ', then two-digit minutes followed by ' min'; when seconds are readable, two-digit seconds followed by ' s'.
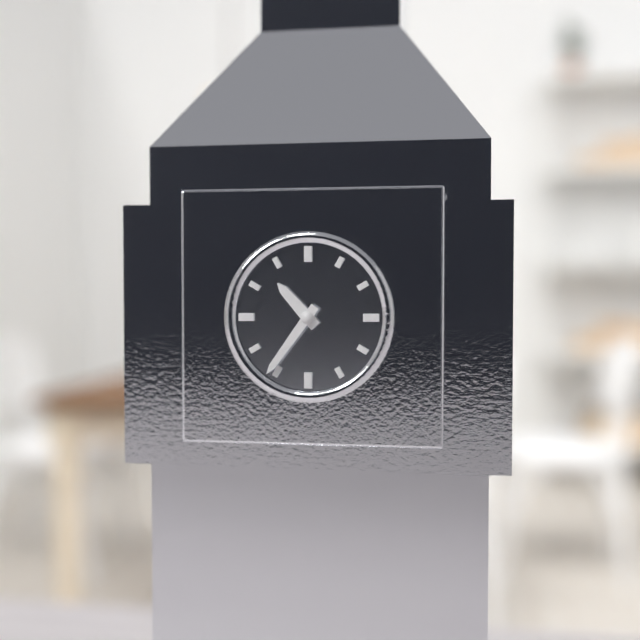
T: 10 h 36 min
